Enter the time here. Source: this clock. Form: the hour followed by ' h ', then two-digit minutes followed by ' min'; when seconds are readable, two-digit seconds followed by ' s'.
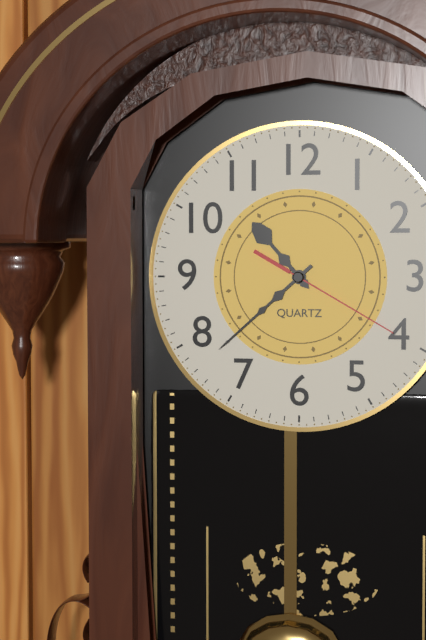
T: 10 h 38 min 20 s
